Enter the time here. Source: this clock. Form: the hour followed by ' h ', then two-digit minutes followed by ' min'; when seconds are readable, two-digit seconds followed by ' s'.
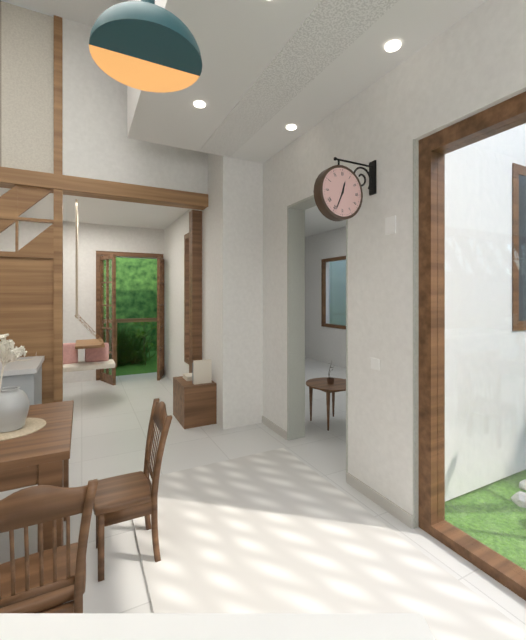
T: 12 h 34 min
